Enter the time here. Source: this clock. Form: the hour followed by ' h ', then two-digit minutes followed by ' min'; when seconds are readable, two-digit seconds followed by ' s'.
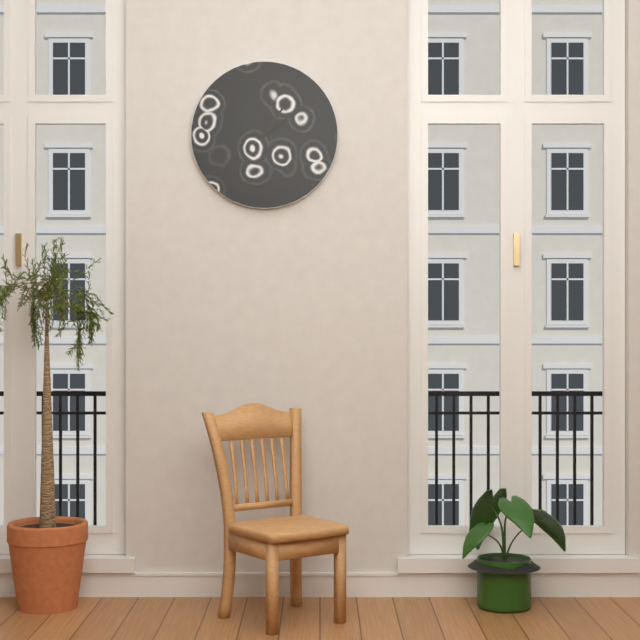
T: 1 h 09 min
